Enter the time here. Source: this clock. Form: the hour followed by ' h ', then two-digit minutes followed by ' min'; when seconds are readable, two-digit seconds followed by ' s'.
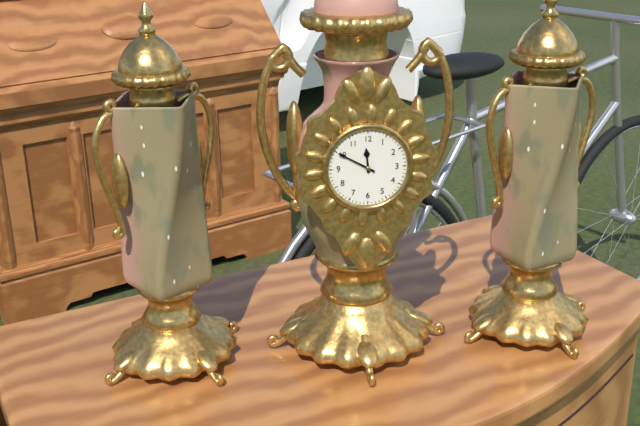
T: 11 h 50 min
